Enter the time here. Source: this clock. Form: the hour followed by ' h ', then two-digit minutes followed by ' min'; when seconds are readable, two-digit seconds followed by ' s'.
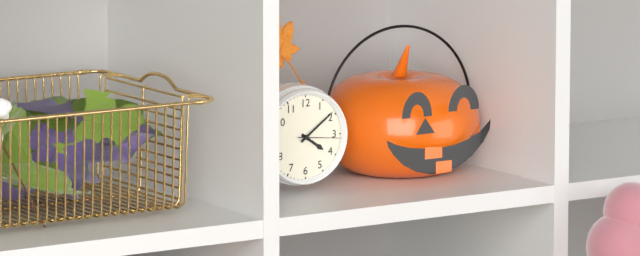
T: 4 h 09 min
